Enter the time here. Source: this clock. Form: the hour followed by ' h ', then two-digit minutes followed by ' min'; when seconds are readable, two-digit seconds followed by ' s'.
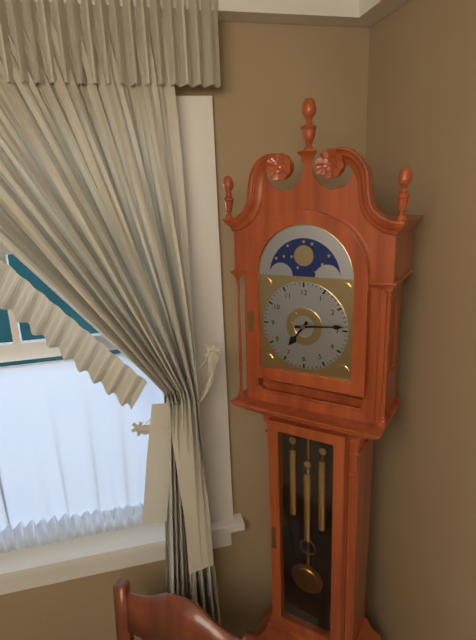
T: 7 h 14 min
